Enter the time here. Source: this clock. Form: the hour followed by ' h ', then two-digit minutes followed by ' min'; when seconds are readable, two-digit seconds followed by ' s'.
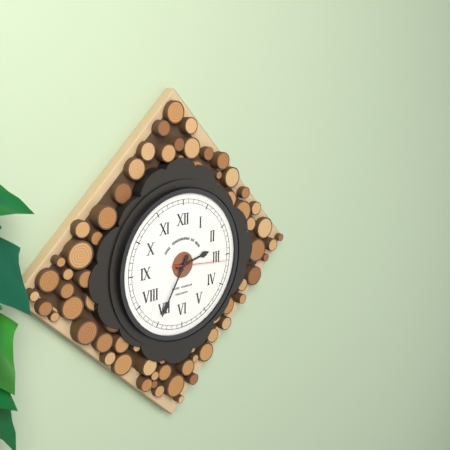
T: 2 h 35 min 16 s
